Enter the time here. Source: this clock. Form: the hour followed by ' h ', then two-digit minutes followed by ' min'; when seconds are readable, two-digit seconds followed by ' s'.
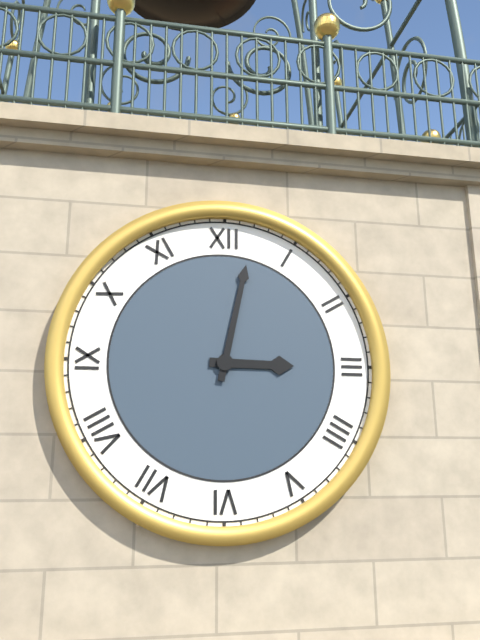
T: 3 h 02 min
